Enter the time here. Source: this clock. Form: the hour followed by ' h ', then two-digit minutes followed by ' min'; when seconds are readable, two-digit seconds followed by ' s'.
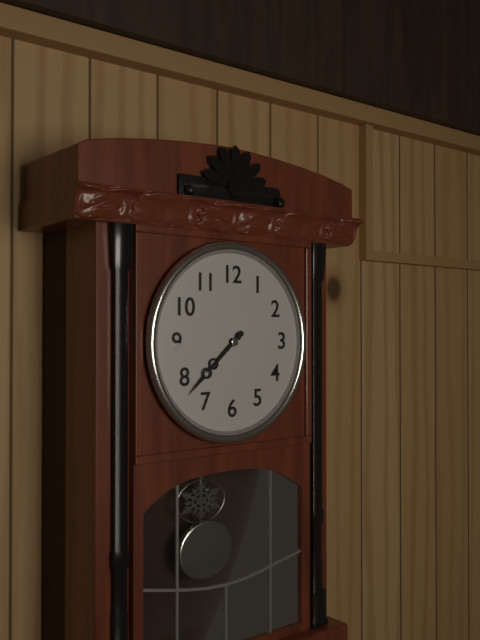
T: 7 h 38 min
